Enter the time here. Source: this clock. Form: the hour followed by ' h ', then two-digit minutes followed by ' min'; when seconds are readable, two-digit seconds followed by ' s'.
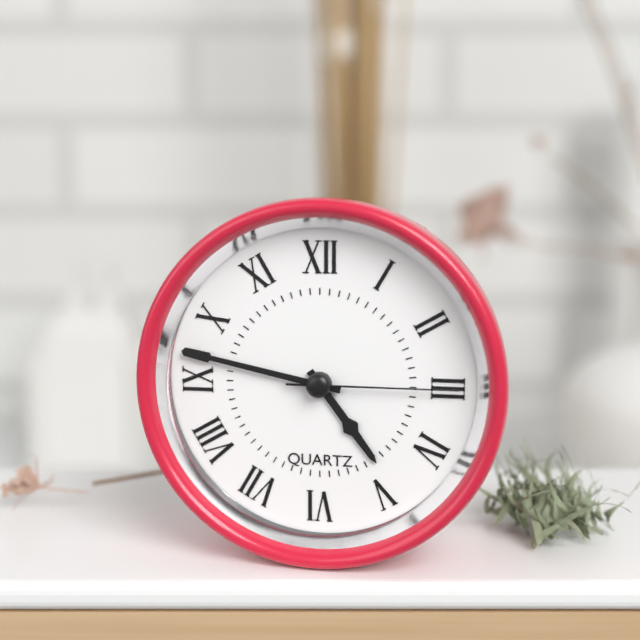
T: 4 h 47 min 15 s
